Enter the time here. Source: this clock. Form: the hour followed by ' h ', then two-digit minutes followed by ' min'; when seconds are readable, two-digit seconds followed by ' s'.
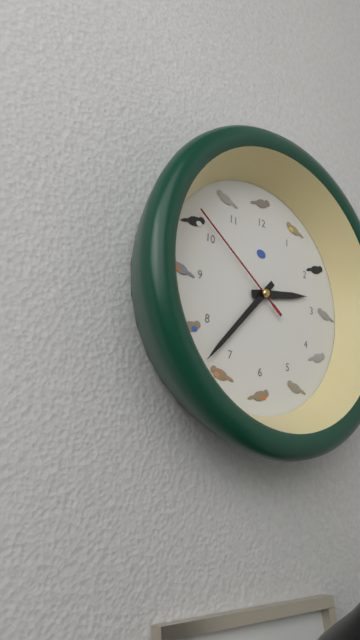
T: 2 h 37 min 51 s
